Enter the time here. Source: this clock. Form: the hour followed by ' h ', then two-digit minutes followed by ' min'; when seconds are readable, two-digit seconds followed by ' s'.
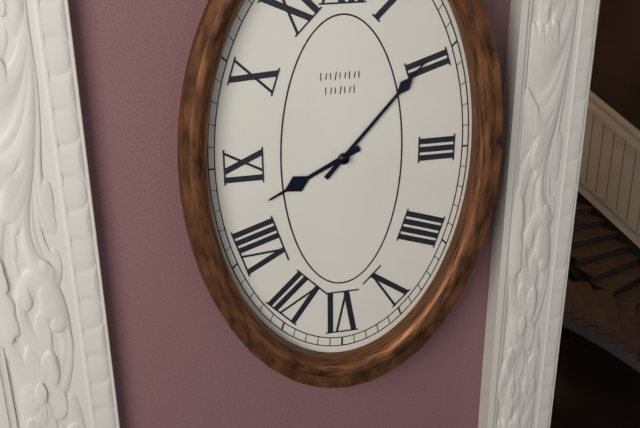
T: 8 h 07 min
